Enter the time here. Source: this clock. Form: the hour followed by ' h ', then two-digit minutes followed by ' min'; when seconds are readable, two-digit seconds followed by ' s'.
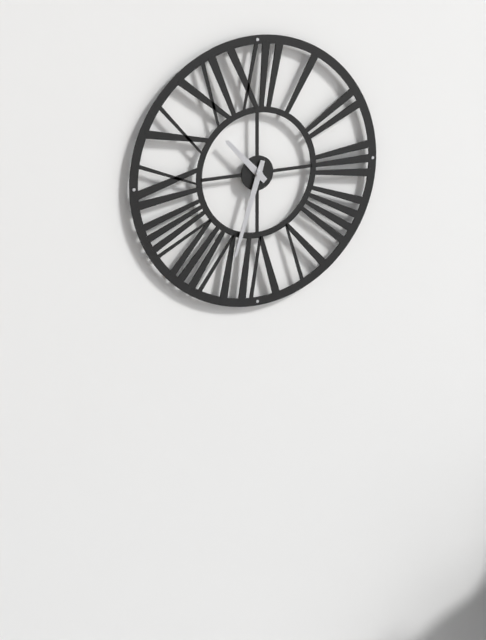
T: 10 h 33 min
